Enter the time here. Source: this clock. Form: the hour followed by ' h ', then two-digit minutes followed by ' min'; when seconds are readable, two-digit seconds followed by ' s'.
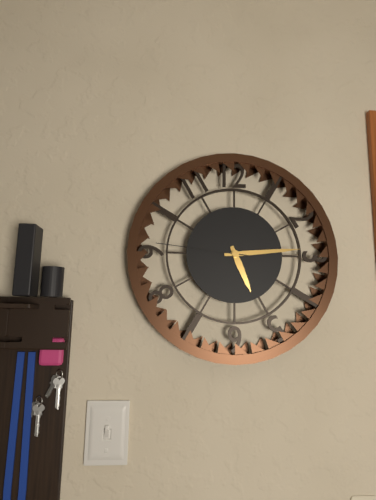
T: 5 h 14 min 46 s
